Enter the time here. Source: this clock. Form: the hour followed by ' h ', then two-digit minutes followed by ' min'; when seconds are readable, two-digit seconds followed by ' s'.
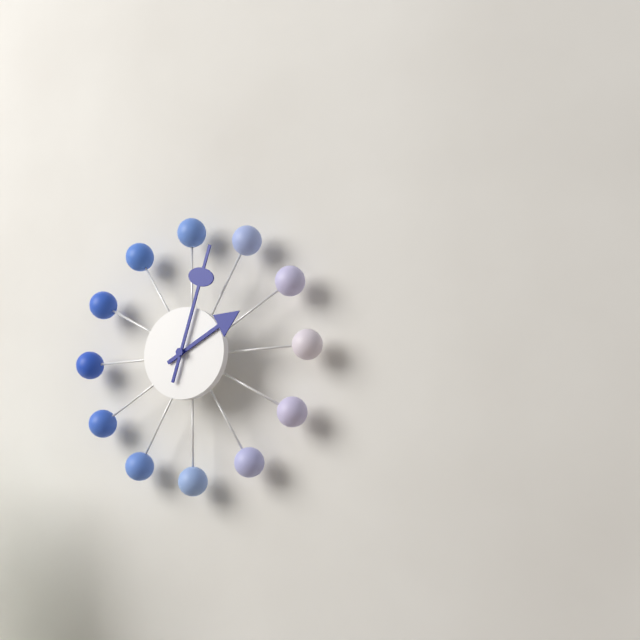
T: 2 h 03 min
